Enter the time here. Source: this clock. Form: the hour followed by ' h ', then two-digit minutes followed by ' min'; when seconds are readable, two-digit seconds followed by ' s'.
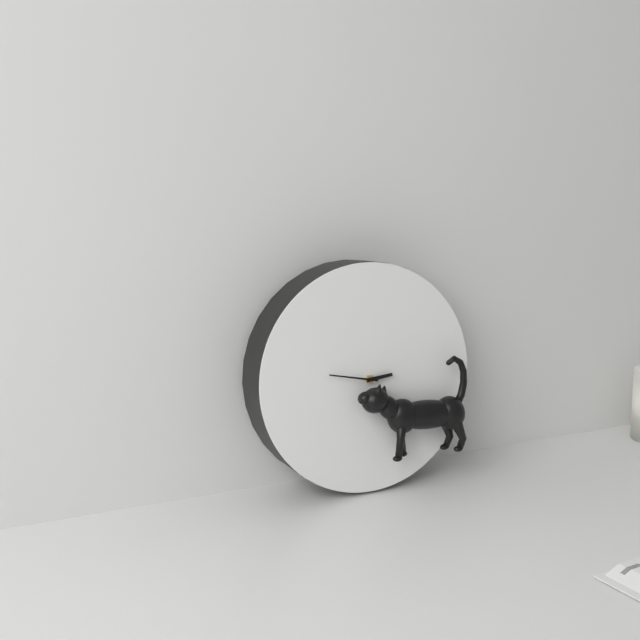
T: 2 h 47 min
